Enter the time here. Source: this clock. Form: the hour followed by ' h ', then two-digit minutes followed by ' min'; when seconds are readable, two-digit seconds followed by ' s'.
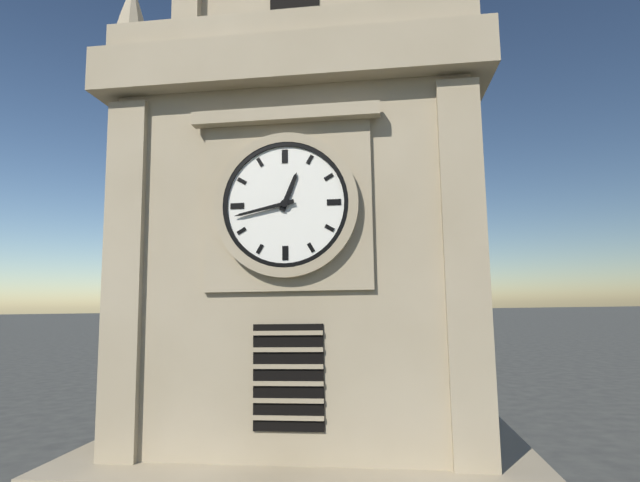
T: 12 h 43 min
